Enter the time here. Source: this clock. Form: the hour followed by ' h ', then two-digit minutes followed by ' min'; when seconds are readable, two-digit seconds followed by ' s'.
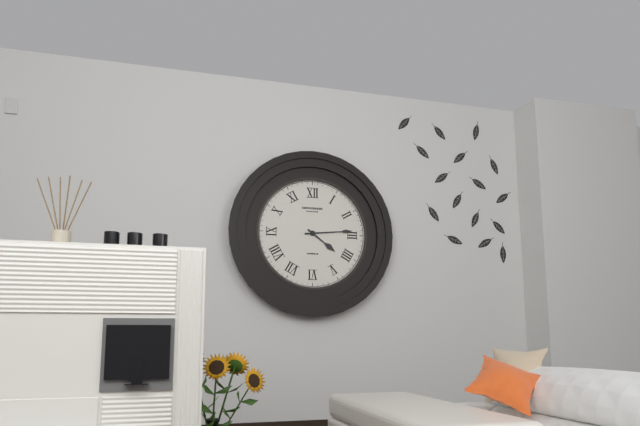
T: 4 h 14 min
